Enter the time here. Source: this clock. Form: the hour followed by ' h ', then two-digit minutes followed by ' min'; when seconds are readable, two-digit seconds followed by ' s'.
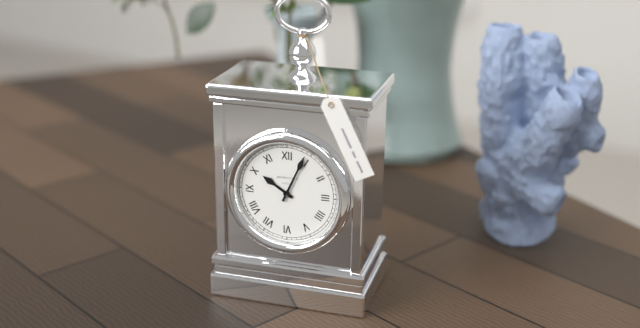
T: 10 h 04 min
